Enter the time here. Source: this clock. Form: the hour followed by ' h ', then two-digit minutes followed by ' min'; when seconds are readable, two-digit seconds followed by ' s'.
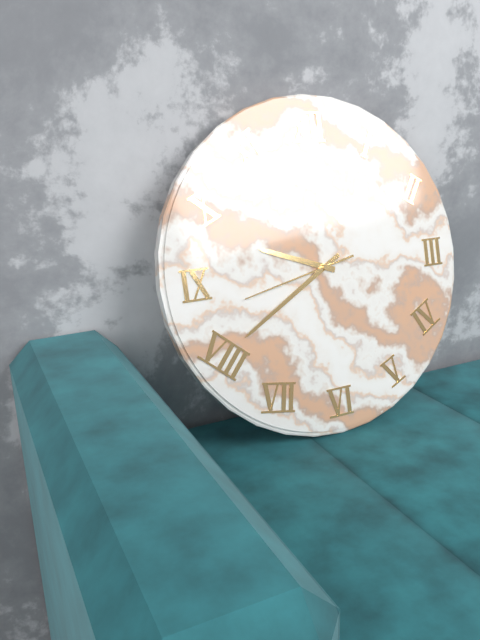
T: 9 h 40 min 43 s
